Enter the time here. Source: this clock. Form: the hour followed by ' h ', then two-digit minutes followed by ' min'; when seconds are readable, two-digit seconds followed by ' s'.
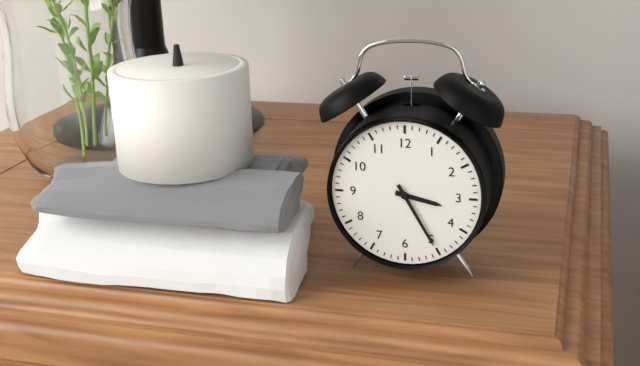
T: 3 h 25 min
